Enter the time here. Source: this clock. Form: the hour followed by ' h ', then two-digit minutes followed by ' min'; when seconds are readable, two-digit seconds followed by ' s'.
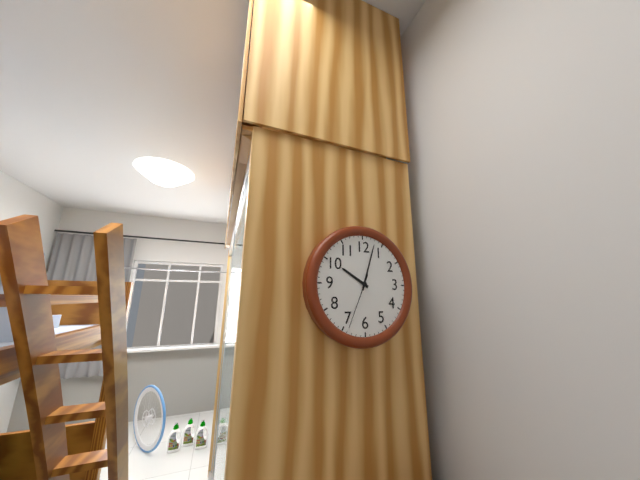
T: 10 h 03 min 34 s
